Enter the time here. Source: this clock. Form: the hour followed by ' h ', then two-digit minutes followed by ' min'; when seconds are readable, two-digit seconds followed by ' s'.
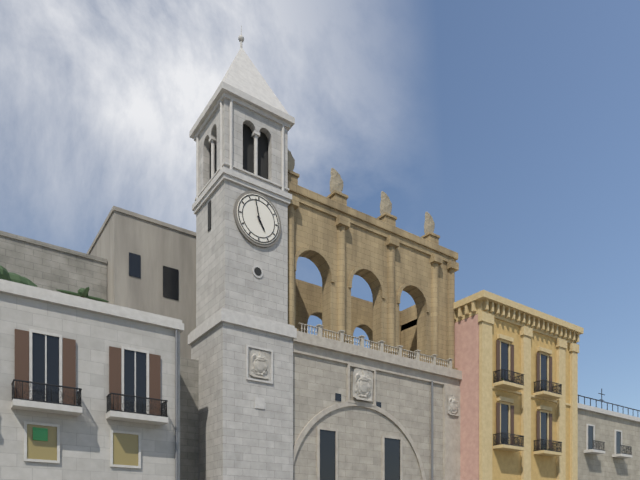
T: 4 h 58 min
